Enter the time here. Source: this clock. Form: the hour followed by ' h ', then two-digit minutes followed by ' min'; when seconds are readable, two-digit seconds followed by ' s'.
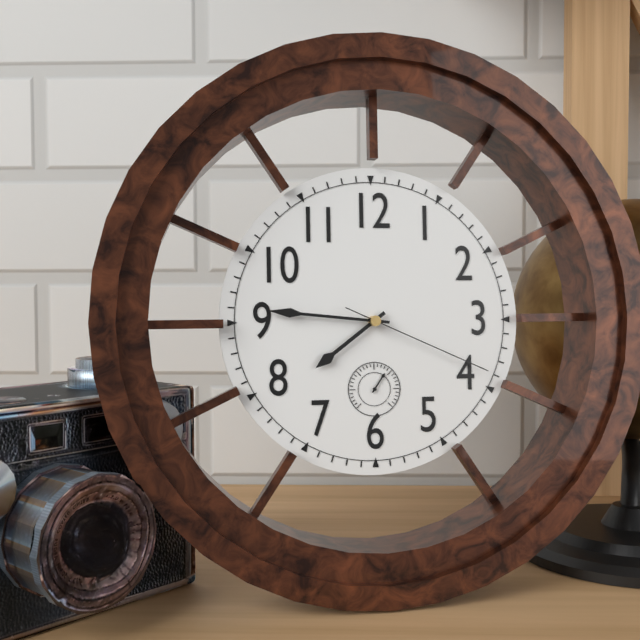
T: 7 h 46 min 19 s
